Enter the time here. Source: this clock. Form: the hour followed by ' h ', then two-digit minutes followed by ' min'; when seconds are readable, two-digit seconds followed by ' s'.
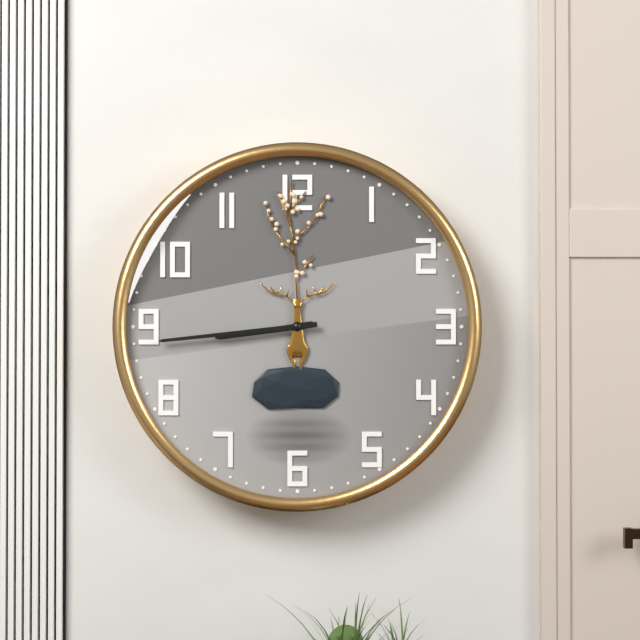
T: 8 h 44 min
